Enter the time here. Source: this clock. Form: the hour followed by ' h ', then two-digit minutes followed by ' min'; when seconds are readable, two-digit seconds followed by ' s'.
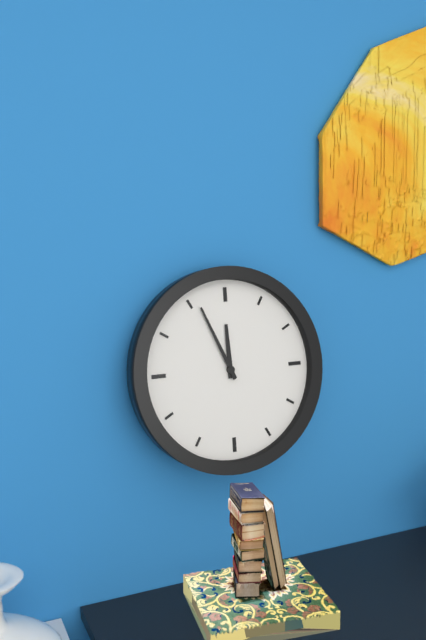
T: 11 h 56 min
